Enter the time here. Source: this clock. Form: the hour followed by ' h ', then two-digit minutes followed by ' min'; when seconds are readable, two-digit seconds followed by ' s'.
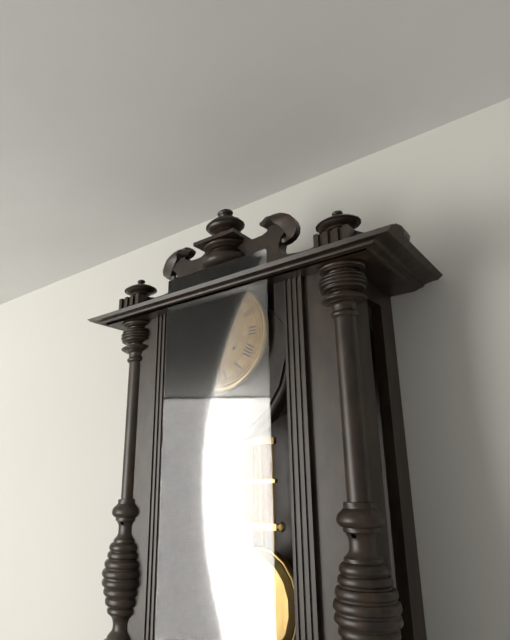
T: 9 h 37 min
